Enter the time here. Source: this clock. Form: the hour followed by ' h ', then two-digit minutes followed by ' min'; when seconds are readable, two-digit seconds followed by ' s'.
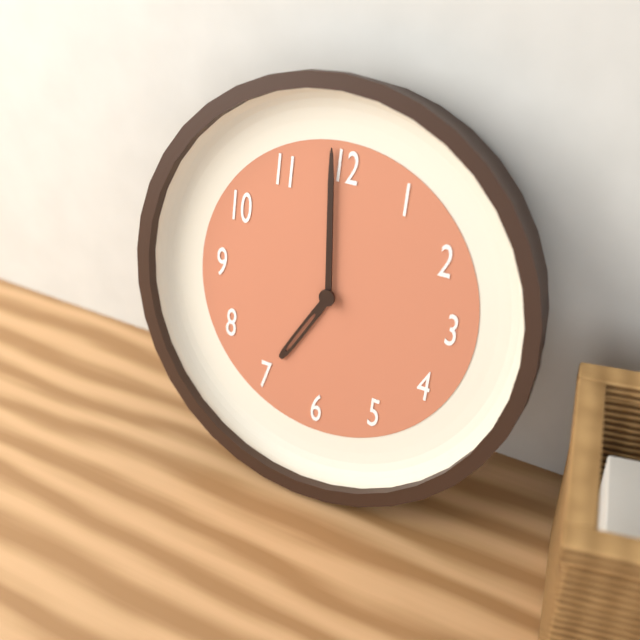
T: 6 h 59 min
